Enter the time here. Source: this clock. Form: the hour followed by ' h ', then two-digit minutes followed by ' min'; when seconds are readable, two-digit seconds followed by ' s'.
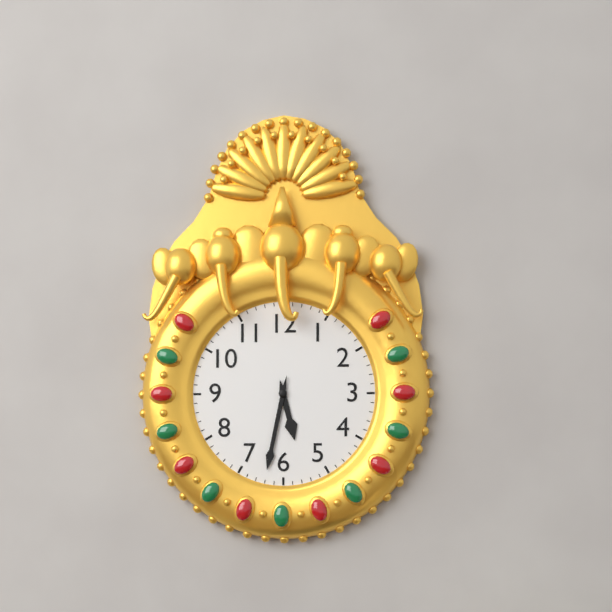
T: 5 h 32 min
